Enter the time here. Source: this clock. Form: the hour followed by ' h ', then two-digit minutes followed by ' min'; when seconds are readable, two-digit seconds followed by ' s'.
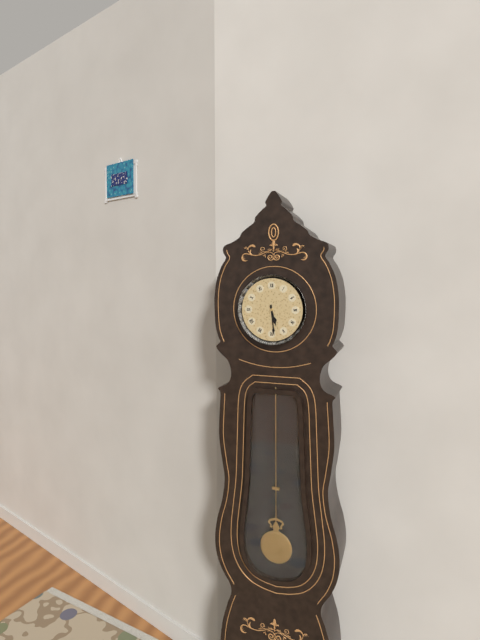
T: 5 h 29 min
